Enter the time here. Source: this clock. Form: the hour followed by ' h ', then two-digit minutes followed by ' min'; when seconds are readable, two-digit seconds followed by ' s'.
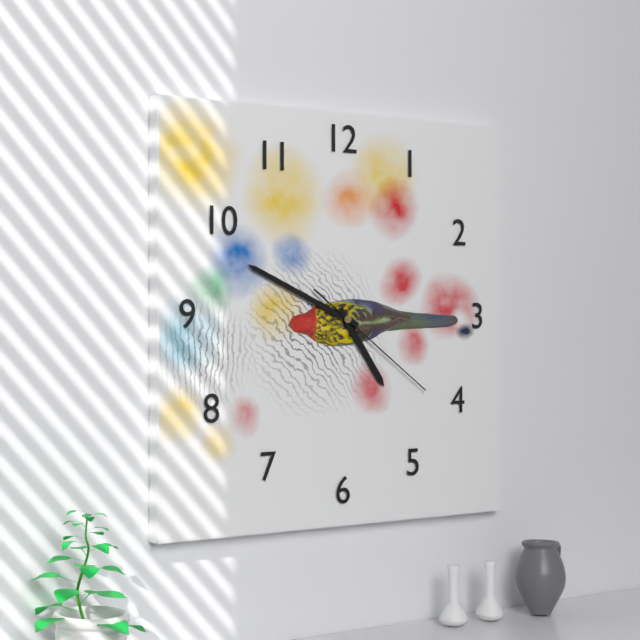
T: 4 h 49 min 21 s
